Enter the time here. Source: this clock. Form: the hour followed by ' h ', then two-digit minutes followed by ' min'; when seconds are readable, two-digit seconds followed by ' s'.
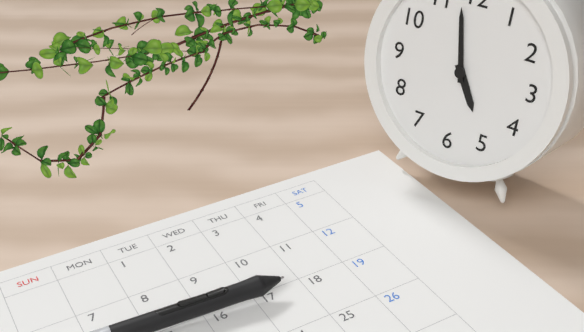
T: 4 h 58 min
